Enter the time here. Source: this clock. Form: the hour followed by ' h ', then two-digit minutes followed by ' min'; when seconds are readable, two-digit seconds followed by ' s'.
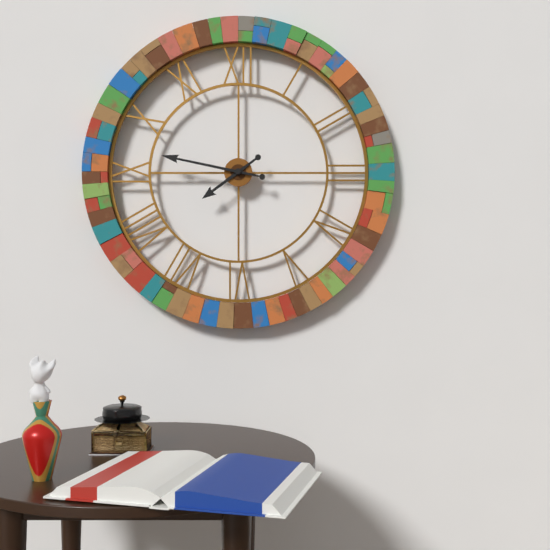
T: 7 h 47 min
